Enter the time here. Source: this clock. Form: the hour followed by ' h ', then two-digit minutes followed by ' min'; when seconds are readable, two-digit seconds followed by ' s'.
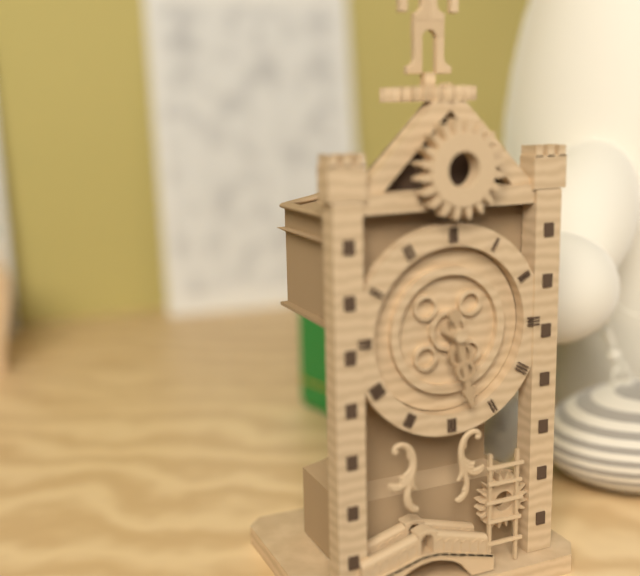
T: 5 h 28 min
